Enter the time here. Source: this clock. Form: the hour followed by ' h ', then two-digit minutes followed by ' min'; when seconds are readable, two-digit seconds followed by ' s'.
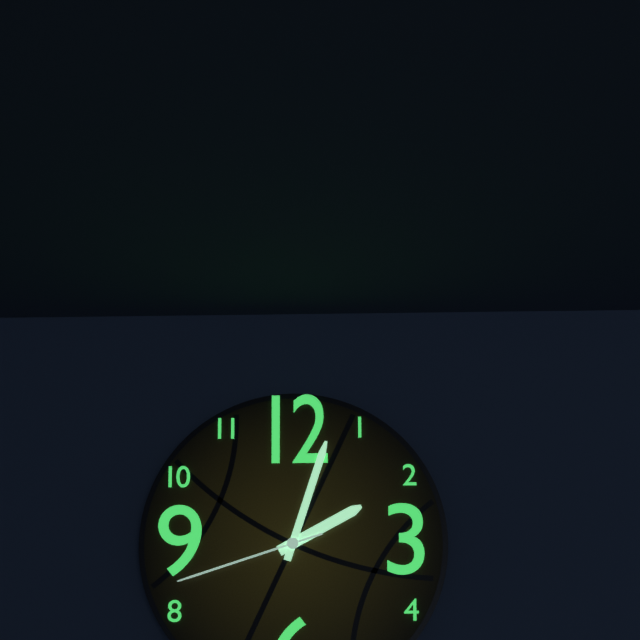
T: 2 h 03 min 42 s
